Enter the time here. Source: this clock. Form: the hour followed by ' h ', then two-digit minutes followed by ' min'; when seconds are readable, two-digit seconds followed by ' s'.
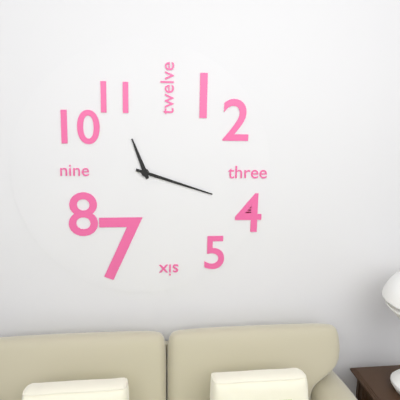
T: 11 h 18 min
